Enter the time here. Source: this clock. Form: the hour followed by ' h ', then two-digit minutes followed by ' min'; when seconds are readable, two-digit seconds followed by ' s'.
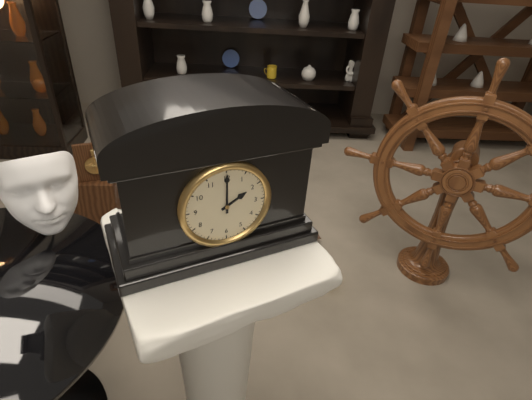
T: 2 h 00 min
